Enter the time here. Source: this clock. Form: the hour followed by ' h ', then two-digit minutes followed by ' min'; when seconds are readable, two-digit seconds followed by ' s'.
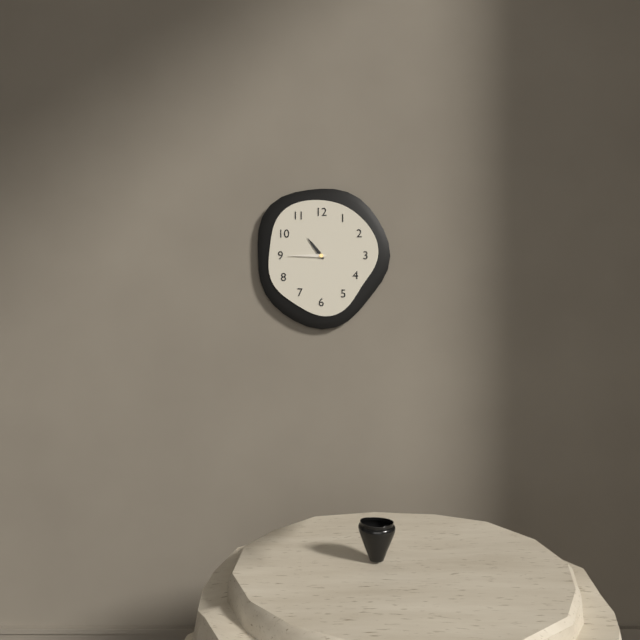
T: 10 h 45 min
